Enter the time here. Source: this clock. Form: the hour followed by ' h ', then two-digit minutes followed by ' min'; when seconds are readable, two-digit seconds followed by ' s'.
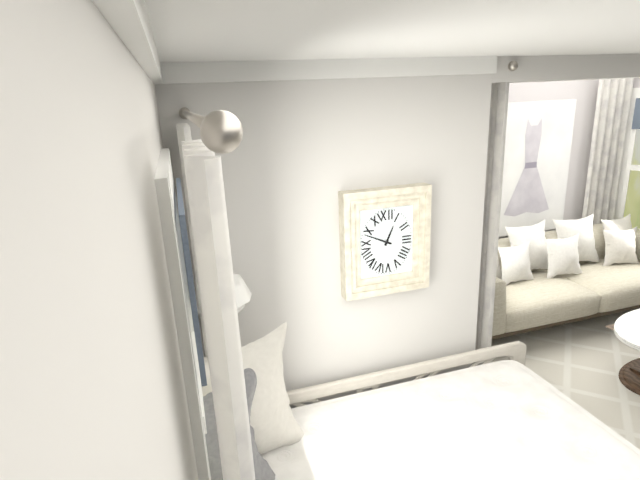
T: 12 h 49 min
